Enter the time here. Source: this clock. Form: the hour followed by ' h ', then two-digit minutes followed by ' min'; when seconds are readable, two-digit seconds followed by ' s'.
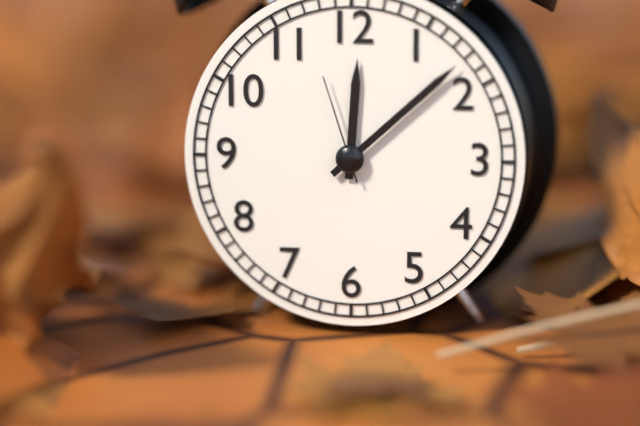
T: 12 h 08 min 57 s
